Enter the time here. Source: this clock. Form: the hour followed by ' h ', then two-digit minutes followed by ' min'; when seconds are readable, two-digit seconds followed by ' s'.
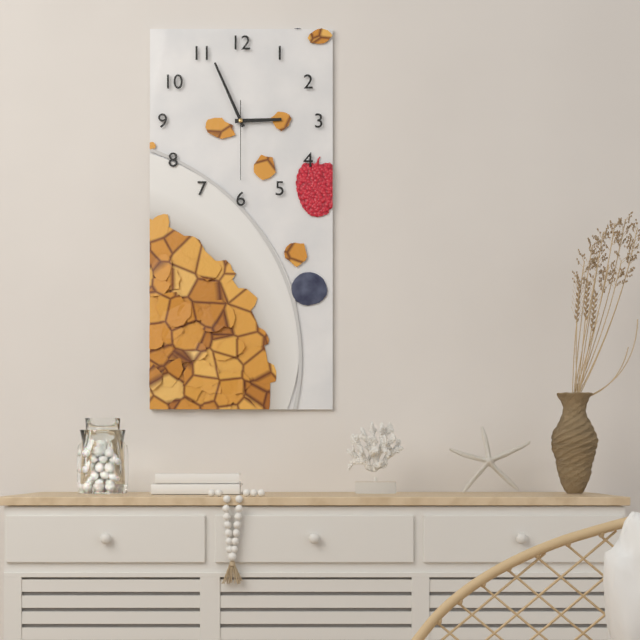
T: 2 h 56 min 30 s
